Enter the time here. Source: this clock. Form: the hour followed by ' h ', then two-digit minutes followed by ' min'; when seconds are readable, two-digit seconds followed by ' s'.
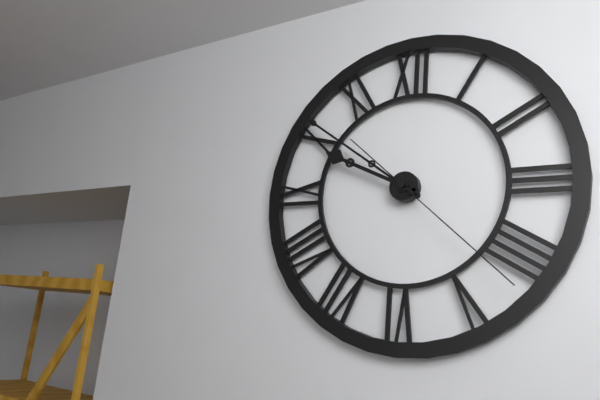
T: 9 h 51 min 22 s
